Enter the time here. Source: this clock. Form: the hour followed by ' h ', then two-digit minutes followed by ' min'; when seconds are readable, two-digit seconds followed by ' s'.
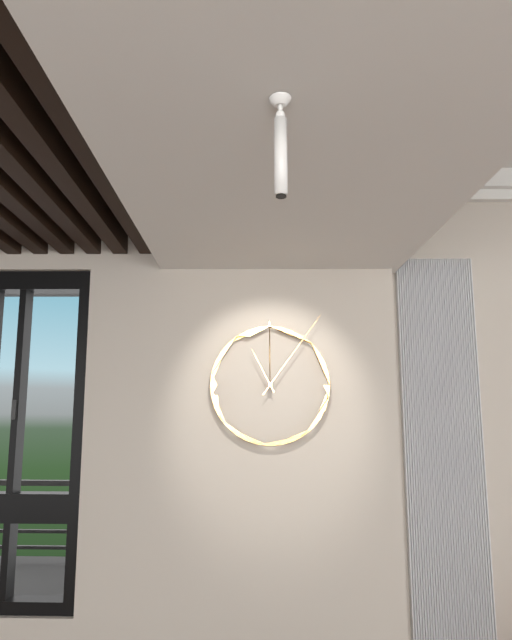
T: 11 h 06 min
